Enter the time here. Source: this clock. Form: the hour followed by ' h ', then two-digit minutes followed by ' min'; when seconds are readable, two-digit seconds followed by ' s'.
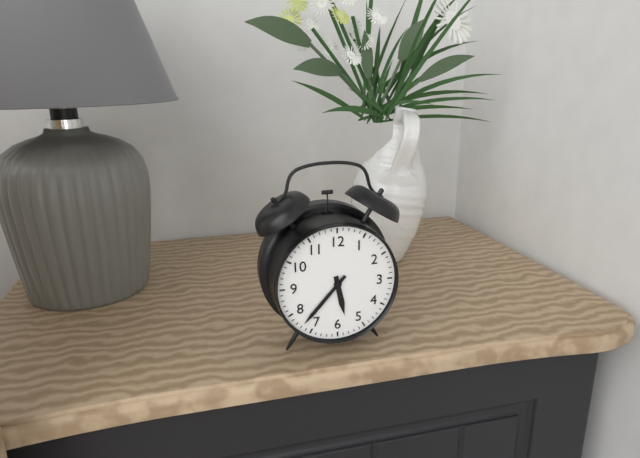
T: 5 h 37 min
